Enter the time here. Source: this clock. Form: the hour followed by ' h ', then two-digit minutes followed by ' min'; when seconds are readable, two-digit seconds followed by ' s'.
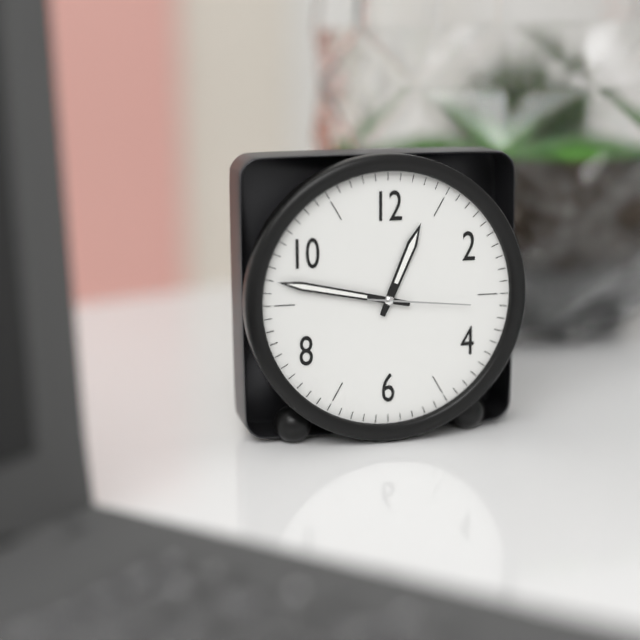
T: 12 h 47 min 16 s
